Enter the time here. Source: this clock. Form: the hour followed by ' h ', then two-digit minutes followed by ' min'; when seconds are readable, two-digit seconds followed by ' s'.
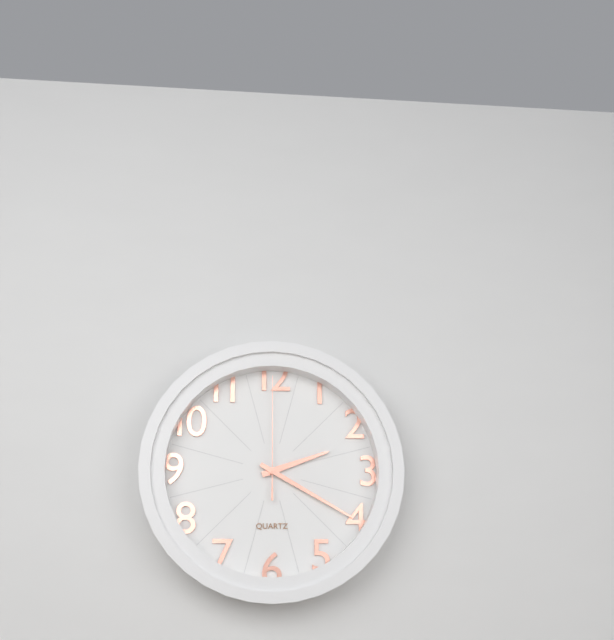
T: 2 h 20 min 00 s
